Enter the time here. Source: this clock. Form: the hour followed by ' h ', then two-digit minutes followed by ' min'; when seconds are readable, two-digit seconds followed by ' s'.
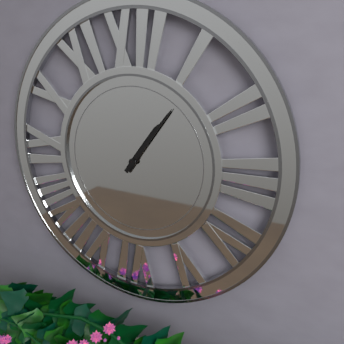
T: 1 h 06 min
